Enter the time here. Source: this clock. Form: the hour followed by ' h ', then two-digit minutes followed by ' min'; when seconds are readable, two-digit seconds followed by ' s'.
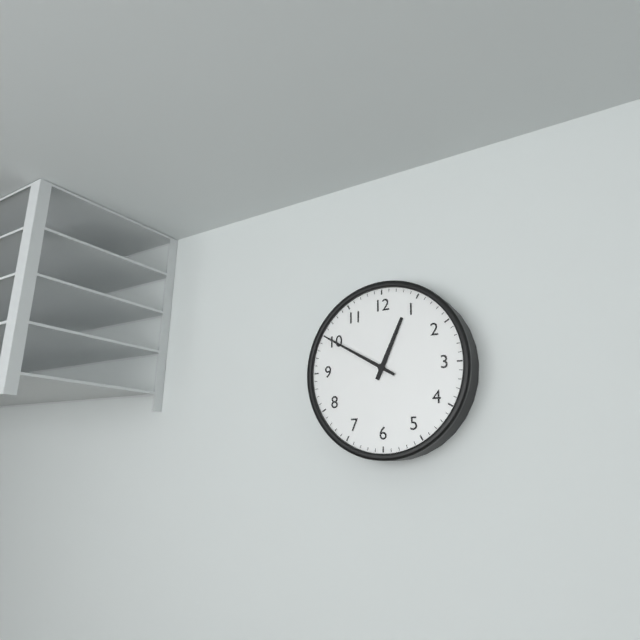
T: 12 h 50 min
